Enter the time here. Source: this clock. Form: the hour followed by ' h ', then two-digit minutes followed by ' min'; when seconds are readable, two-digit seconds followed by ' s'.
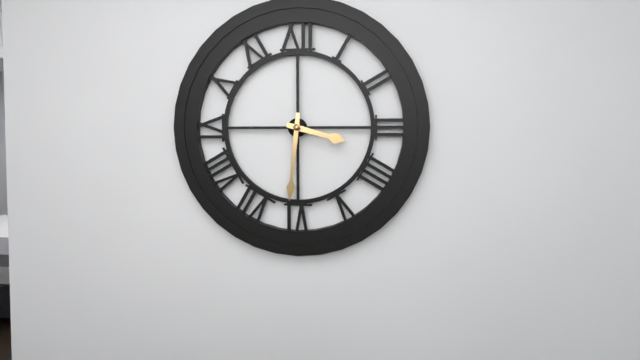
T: 3 h 31 min
